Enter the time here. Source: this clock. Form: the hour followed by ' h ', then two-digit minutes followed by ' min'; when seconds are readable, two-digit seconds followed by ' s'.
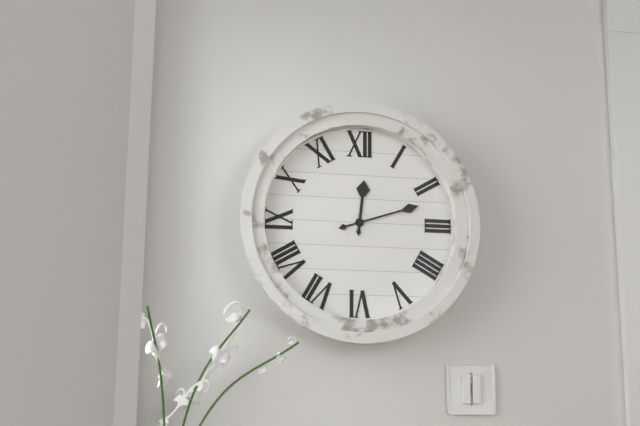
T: 12 h 12 min
